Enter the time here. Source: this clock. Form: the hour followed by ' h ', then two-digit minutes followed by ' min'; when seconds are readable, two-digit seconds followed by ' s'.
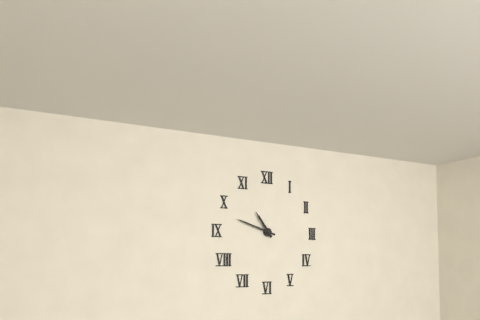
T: 10 h 48 min
